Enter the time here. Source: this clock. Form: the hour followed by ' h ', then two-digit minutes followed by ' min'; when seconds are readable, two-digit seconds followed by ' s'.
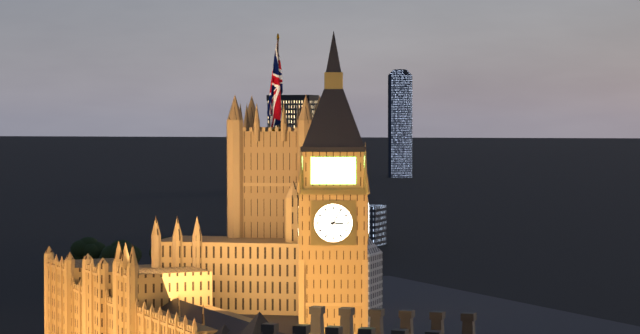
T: 3 h 05 min
